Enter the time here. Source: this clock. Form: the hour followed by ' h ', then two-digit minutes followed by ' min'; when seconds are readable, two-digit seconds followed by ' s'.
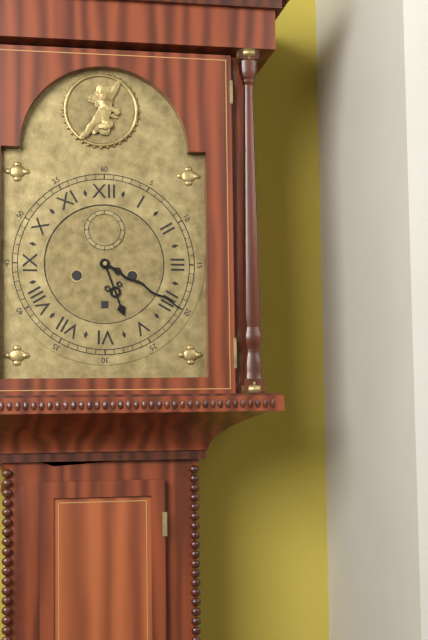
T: 5 h 20 min
